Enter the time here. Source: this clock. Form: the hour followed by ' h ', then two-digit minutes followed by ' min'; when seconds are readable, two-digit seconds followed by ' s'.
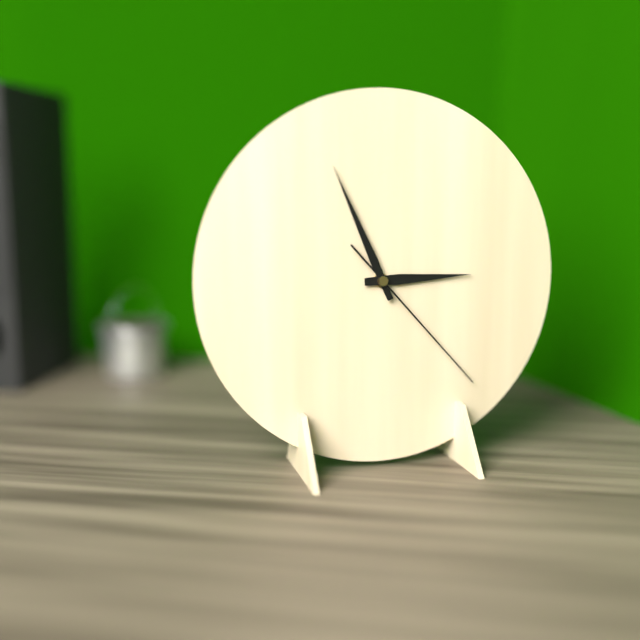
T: 2 h 56 min 23 s
